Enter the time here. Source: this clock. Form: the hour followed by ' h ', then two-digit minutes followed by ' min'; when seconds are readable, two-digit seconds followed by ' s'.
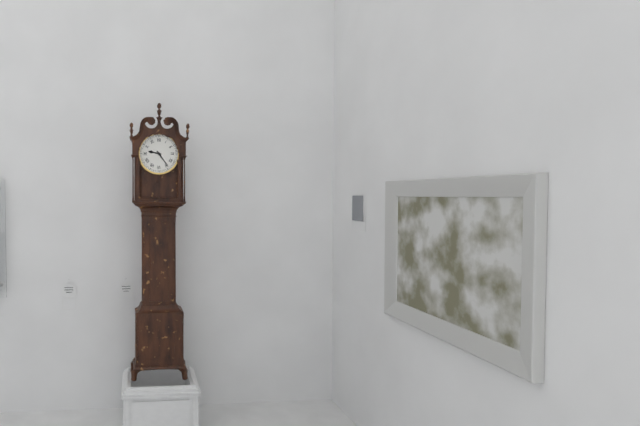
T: 9 h 24 min
